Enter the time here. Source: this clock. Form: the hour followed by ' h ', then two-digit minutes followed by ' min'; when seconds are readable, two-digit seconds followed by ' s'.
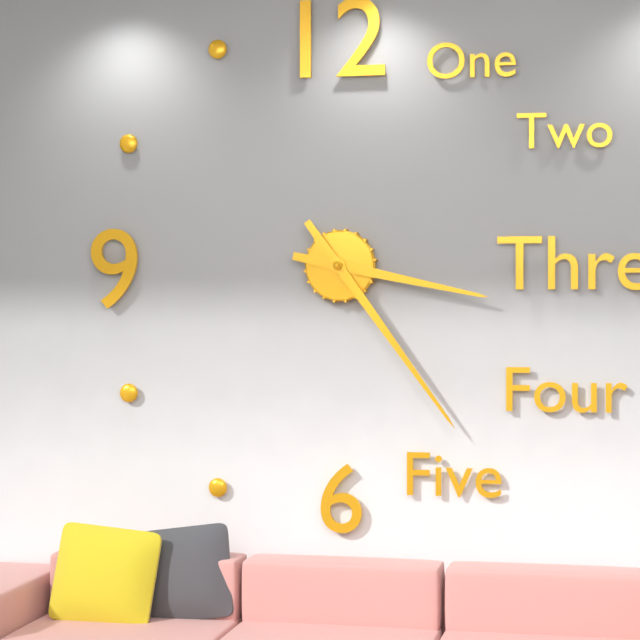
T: 3 h 24 min
